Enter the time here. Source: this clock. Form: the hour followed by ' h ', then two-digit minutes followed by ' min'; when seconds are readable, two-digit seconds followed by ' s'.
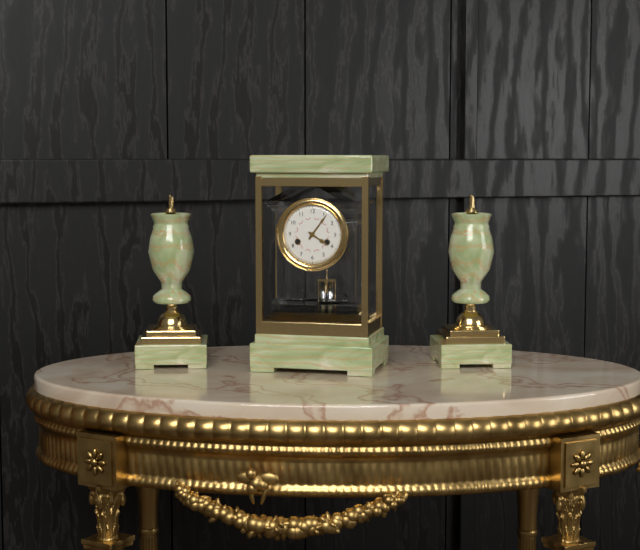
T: 4 h 06 min
